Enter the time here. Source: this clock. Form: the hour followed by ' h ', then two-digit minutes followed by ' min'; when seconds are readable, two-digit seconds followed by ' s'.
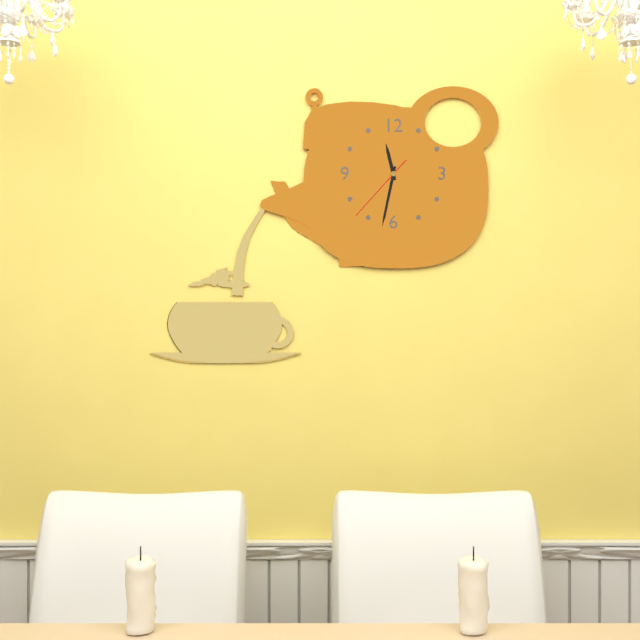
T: 11 h 32 min 37 s
